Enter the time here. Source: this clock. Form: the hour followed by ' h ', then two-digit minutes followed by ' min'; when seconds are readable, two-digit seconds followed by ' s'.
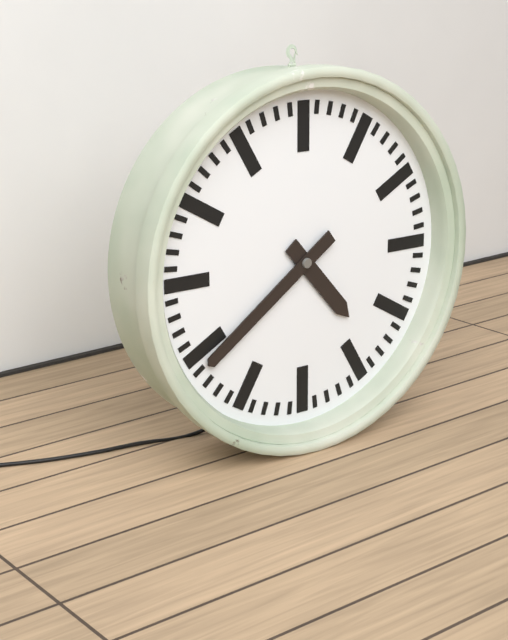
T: 4 h 39 min
